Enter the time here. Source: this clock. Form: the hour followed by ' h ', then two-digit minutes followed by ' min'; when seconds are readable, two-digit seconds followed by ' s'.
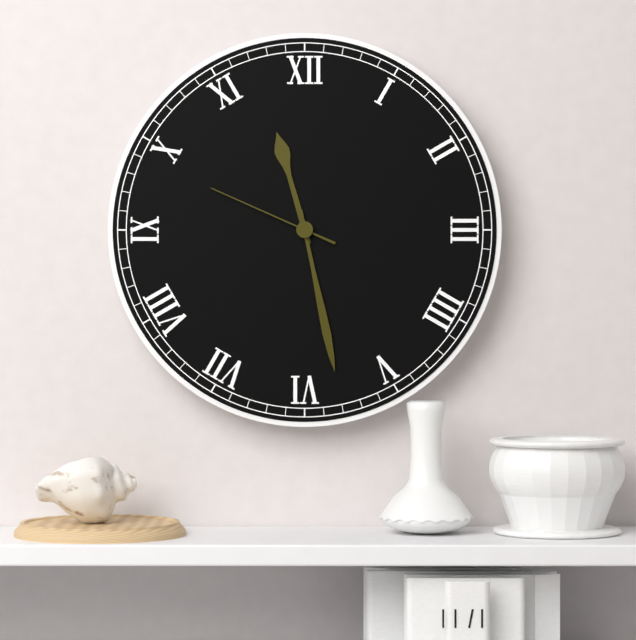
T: 11 h 28 min 49 s
